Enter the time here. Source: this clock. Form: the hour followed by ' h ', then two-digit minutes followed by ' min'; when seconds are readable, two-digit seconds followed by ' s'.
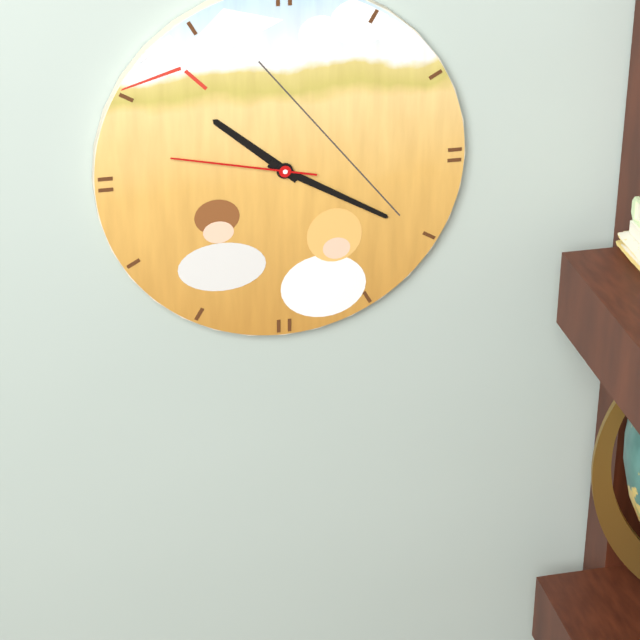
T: 10 h 20 min 47 s
